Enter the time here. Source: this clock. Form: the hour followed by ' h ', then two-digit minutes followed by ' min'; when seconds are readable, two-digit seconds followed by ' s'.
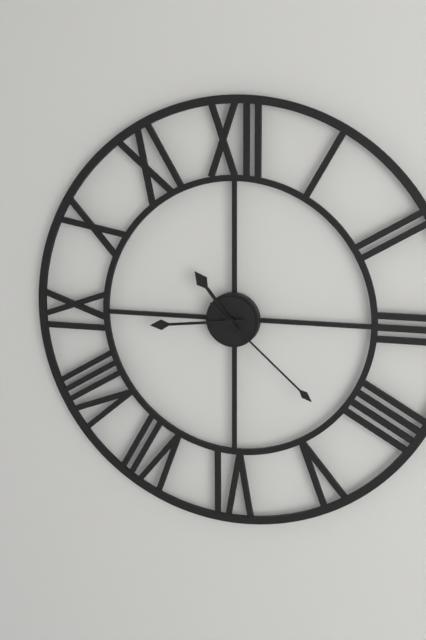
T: 10 h 44 min 22 s
